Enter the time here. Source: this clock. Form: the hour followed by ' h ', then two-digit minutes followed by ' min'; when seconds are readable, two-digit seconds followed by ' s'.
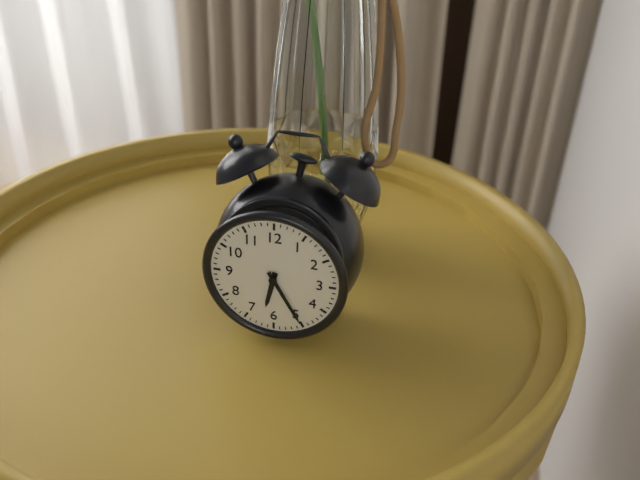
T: 6 h 25 min
